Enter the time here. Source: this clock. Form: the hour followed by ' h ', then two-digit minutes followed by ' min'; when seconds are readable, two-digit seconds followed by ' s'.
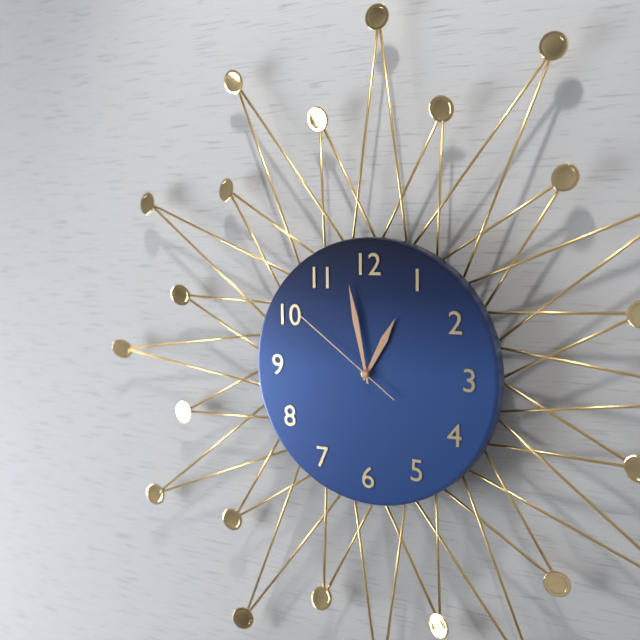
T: 12 h 58 min 51 s
